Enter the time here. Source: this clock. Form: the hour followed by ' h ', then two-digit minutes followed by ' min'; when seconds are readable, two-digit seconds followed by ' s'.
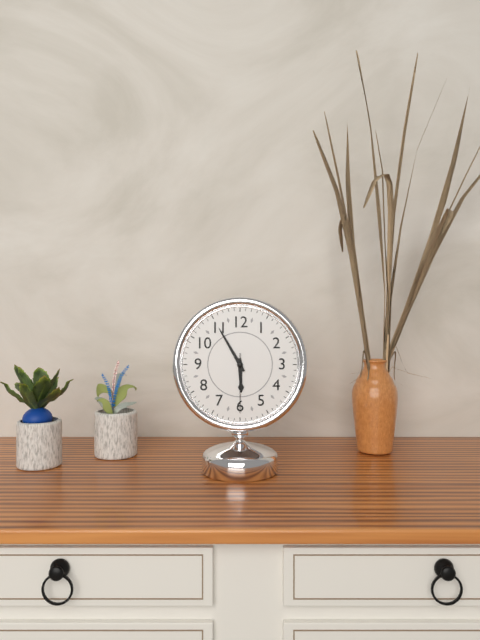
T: 5 h 55 min 30 s
